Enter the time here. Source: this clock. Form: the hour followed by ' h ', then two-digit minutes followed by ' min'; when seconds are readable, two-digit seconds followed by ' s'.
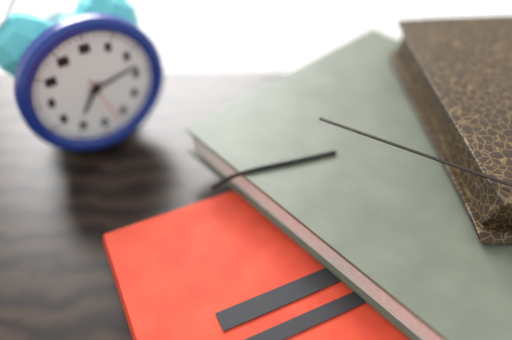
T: 7 h 13 min 27 s
